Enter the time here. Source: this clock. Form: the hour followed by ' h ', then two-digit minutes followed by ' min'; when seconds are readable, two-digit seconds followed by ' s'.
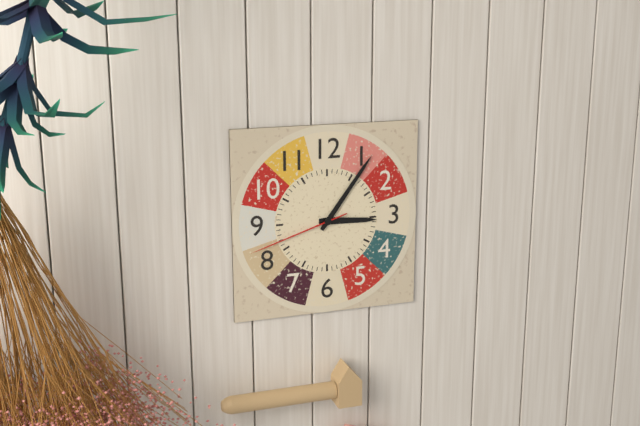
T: 3 h 06 min 42 s
